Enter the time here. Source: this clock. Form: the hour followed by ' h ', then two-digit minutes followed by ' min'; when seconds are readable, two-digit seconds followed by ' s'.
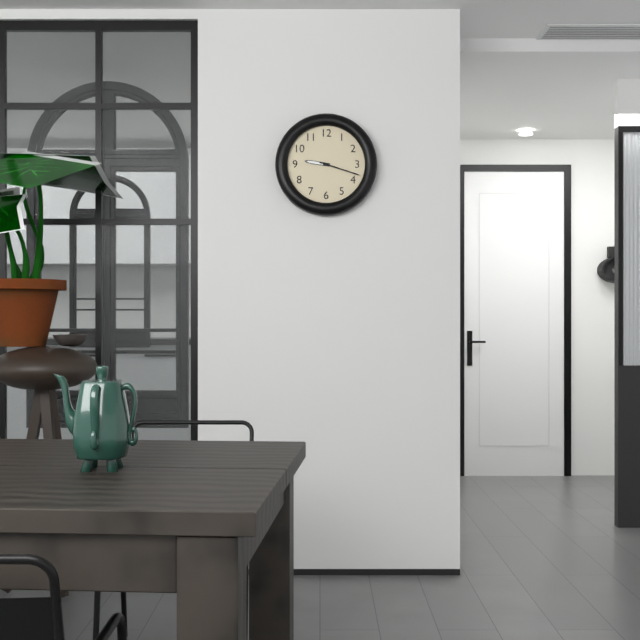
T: 9 h 18 min
